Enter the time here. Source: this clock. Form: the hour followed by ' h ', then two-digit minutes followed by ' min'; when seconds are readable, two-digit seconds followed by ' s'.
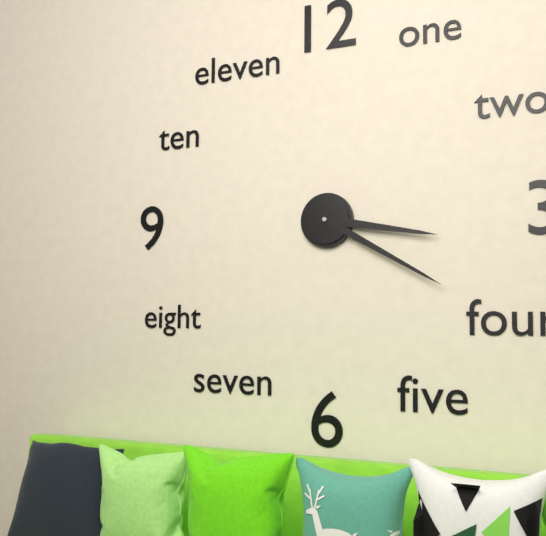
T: 3 h 20 min
